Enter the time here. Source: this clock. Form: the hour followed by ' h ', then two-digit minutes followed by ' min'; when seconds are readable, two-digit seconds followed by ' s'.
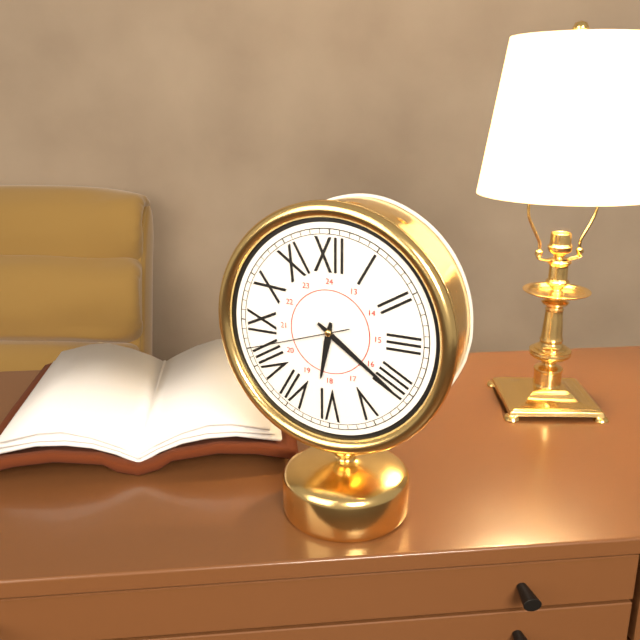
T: 6 h 21 min 42 s
